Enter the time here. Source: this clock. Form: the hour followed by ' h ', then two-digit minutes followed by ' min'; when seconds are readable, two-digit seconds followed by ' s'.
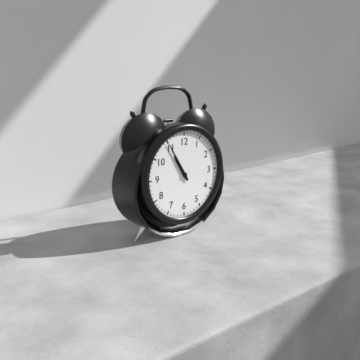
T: 10 h 55 min
